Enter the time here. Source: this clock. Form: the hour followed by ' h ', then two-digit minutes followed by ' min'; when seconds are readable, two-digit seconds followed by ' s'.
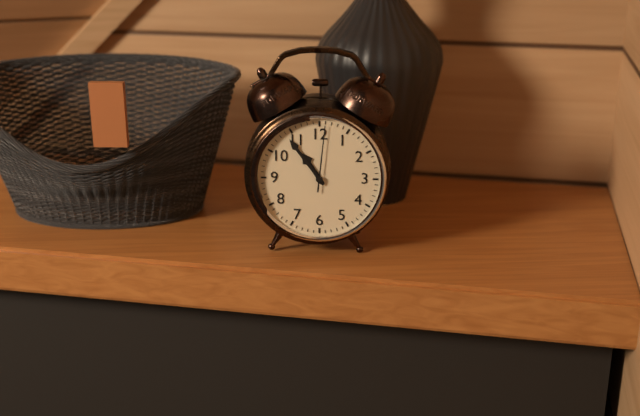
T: 10 h 54 min 01 s
